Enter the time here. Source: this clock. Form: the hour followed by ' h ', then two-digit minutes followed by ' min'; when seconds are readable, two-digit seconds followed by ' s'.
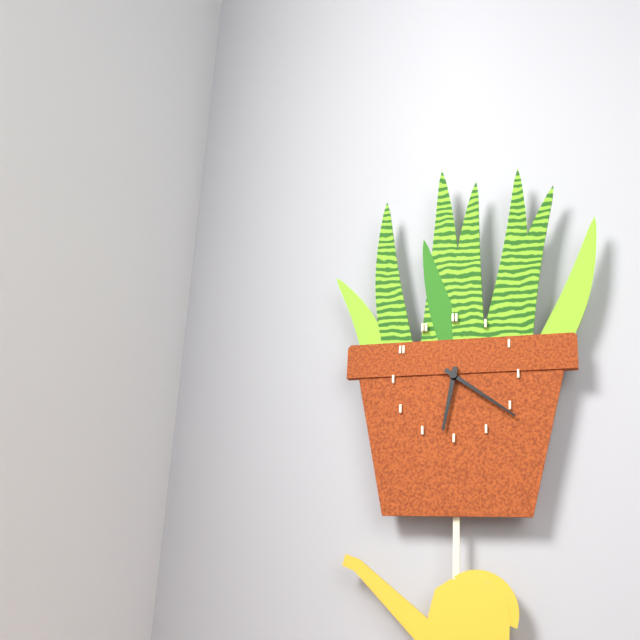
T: 6 h 21 min
